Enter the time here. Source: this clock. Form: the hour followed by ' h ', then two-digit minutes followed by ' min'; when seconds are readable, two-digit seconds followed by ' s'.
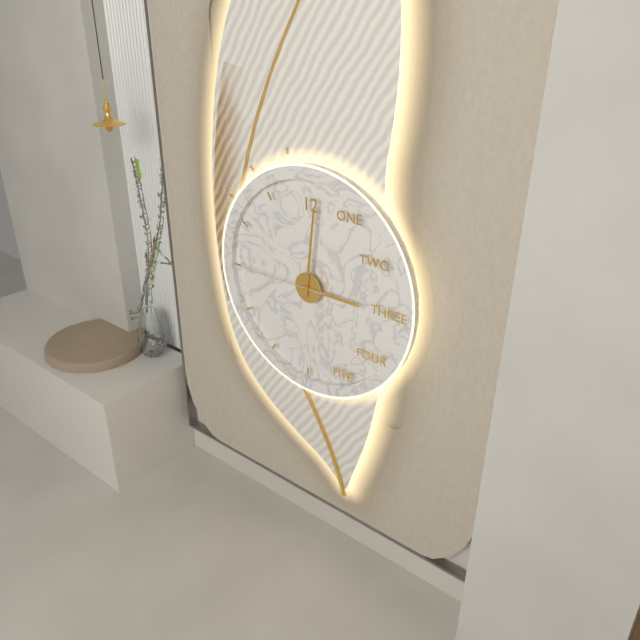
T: 3 h 01 min 45 s
